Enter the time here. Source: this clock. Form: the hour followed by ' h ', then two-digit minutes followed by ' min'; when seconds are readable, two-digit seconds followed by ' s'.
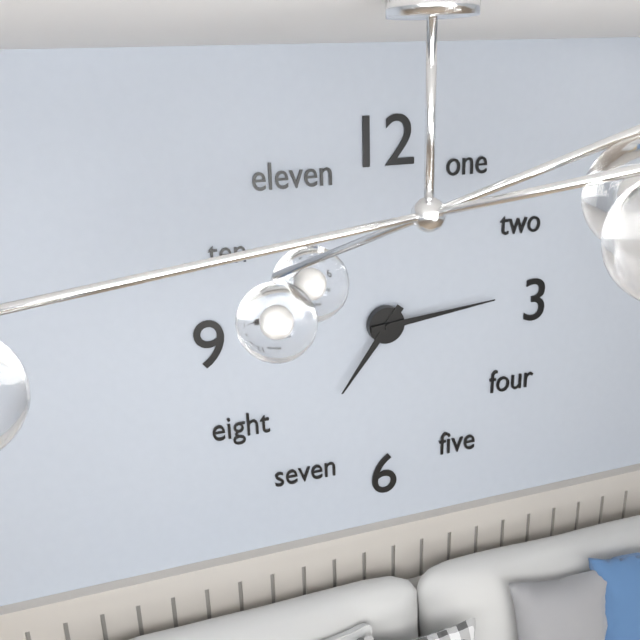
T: 7 h 14 min
